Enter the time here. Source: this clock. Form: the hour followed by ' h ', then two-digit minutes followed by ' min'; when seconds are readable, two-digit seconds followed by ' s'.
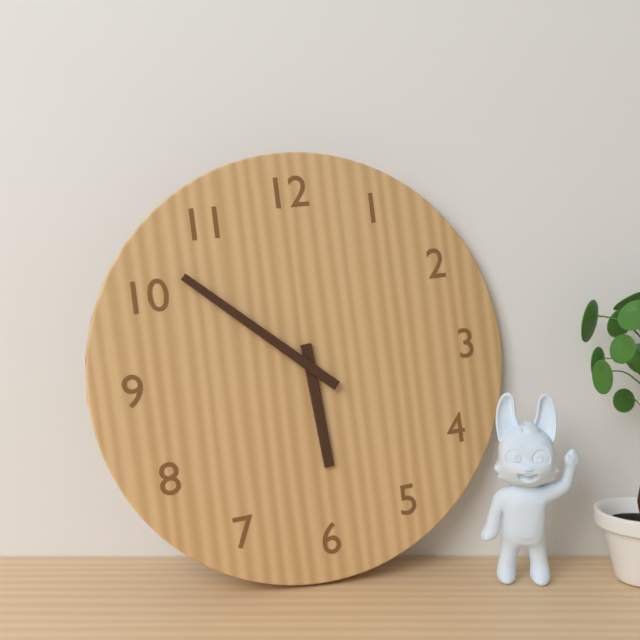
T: 5 h 52 min
